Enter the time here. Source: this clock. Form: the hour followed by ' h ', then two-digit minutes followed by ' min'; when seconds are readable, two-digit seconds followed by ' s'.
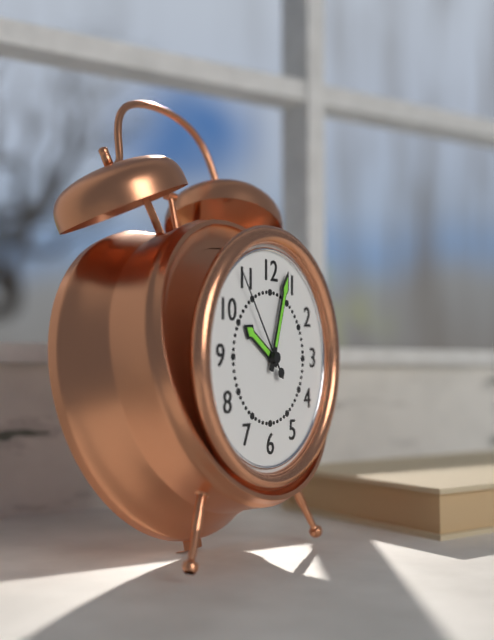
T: 10 h 03 min 54 s
